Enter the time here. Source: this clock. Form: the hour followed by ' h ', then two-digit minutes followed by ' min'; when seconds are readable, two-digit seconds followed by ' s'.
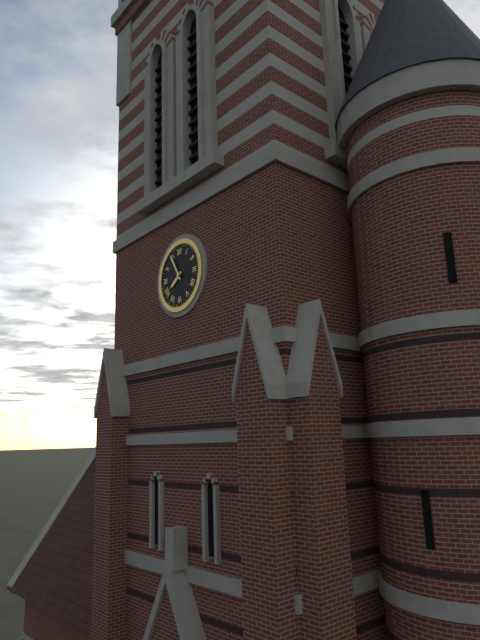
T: 7 h 55 min
